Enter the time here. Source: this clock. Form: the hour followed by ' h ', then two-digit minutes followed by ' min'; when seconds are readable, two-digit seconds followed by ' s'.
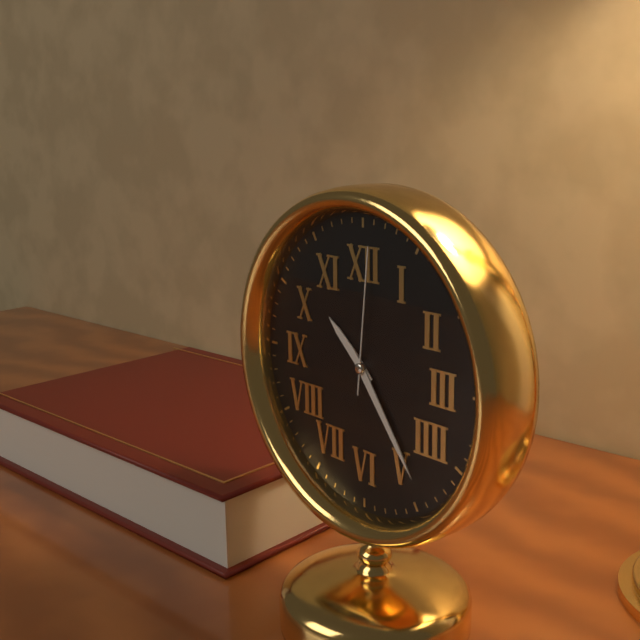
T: 10 h 24 min 01 s
